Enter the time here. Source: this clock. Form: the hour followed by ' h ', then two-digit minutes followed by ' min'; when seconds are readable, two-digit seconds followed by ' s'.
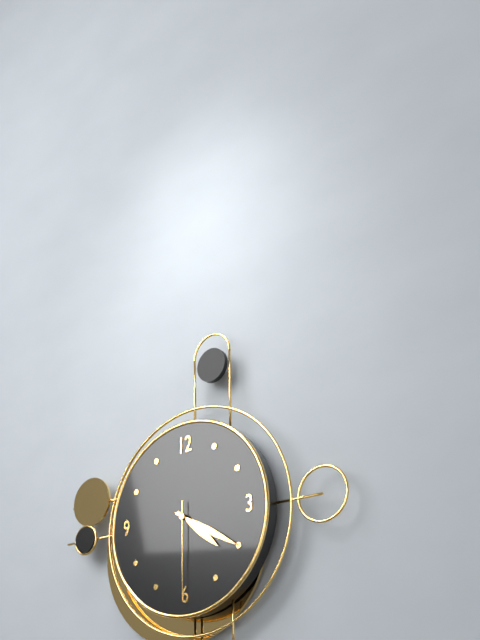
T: 4 h 20 min 30 s
